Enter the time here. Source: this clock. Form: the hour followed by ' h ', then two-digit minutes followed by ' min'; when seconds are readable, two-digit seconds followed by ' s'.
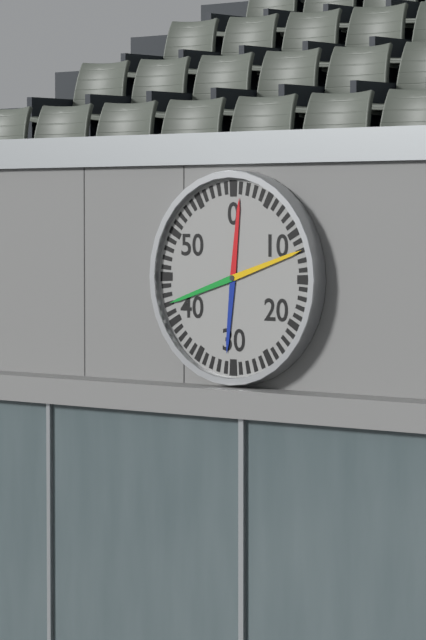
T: 12 h 12 min
